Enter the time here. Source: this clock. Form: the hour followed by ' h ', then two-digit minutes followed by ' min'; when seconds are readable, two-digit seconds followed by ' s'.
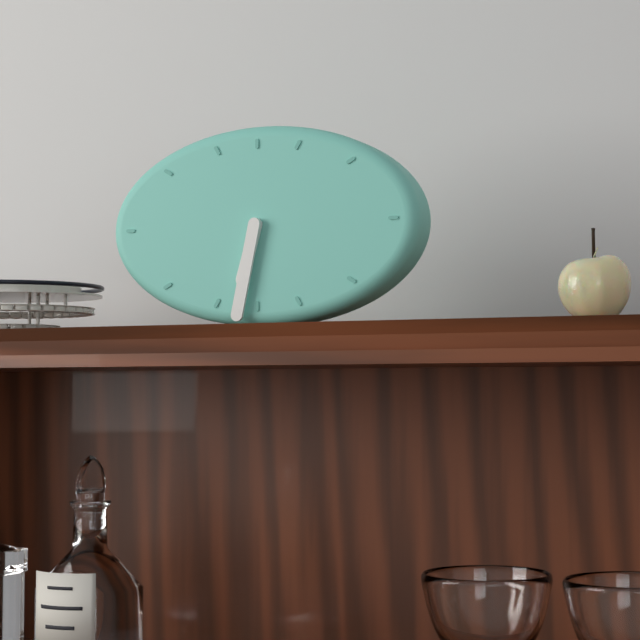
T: 6 h 32 min
